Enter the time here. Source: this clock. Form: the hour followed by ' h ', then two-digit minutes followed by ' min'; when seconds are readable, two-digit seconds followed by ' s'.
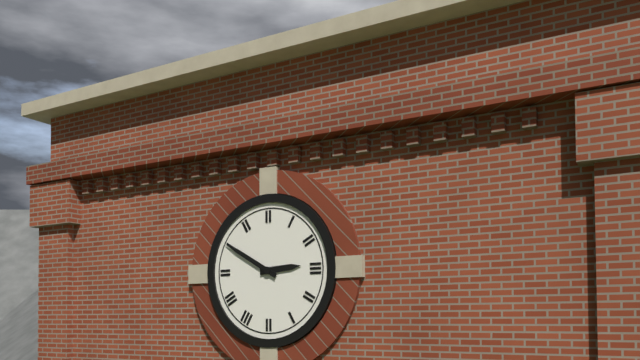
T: 2 h 50 min
